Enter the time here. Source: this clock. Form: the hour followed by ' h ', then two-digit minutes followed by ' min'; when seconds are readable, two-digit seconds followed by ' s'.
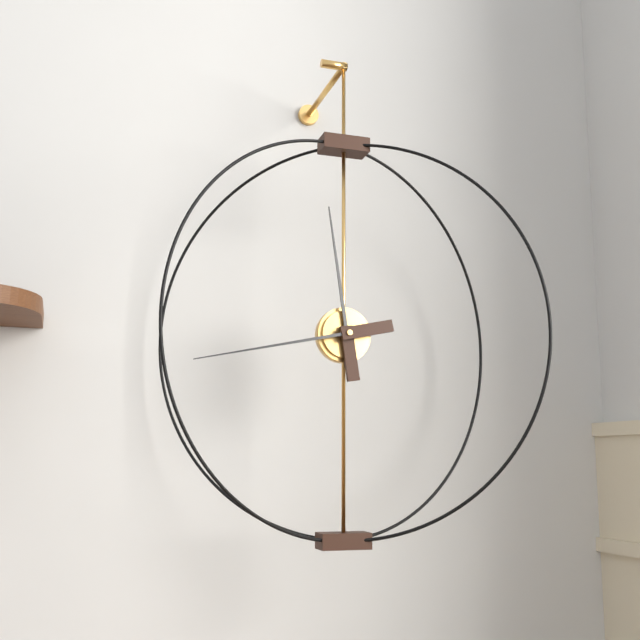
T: 11 h 43 min
